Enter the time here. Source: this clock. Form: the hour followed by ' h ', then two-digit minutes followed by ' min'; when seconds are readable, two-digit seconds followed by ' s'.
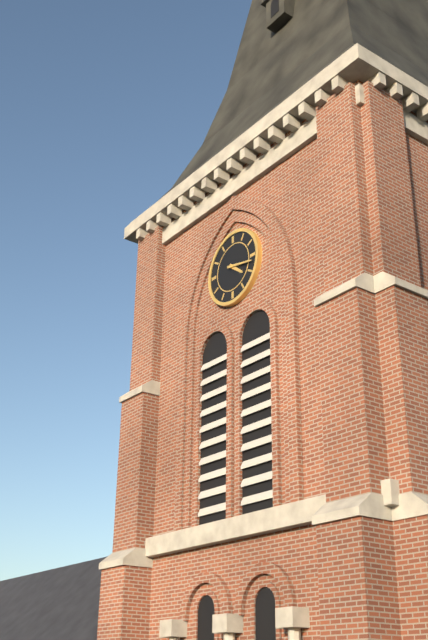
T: 4 h 17 min
